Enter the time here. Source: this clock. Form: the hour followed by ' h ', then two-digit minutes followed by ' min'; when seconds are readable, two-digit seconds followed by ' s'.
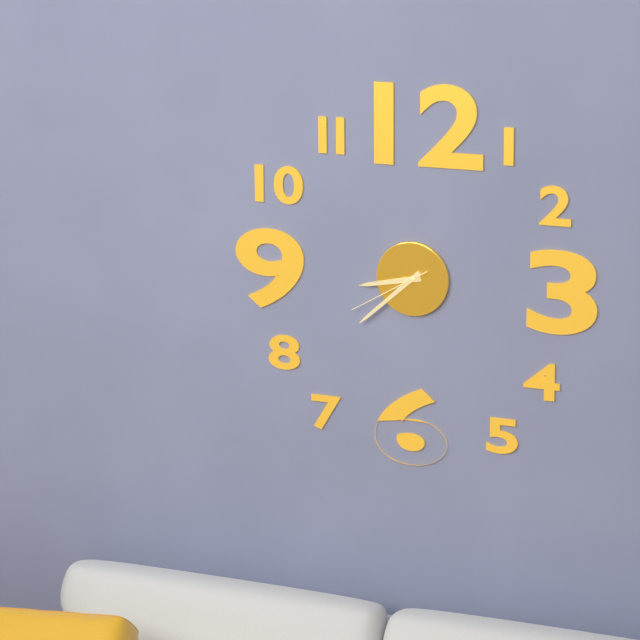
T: 8 h 38 min 40 s
